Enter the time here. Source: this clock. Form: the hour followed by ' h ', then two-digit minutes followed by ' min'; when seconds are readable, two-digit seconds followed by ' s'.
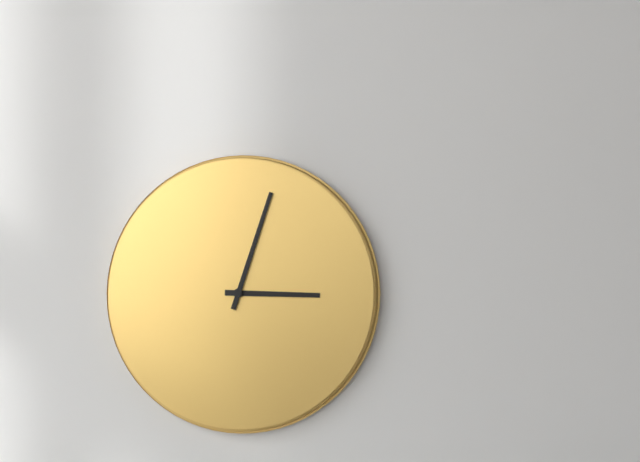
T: 3 h 03 min
